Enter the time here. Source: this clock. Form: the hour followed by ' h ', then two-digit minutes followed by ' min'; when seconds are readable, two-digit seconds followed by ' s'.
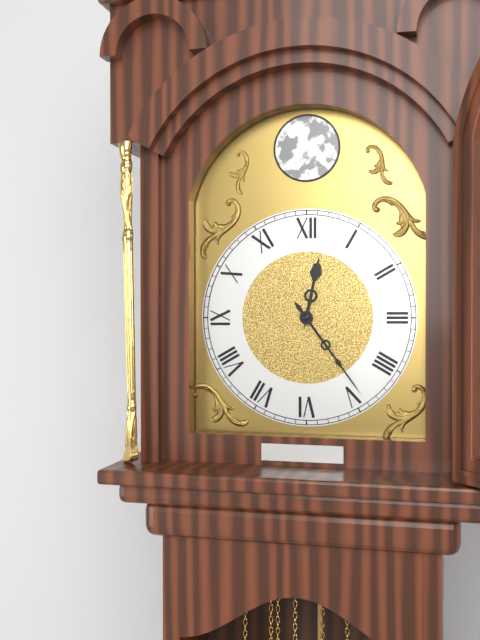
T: 12 h 24 min
